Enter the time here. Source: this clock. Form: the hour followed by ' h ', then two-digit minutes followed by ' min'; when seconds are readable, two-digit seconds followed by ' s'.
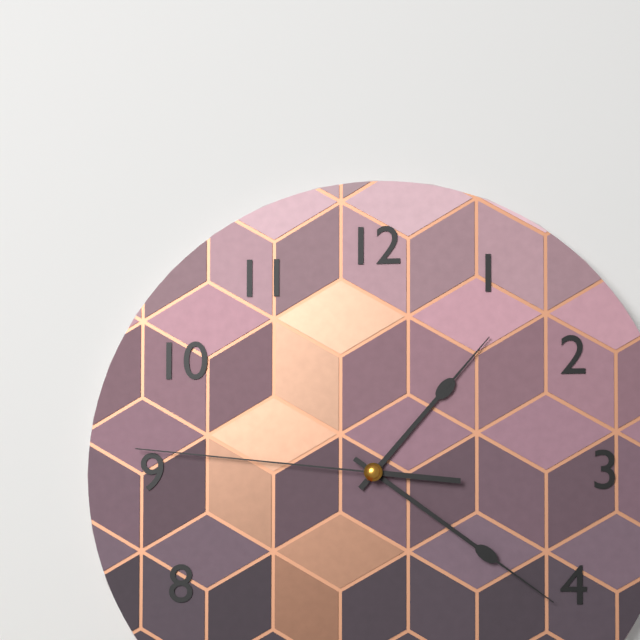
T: 1 h 21 min 46 s
